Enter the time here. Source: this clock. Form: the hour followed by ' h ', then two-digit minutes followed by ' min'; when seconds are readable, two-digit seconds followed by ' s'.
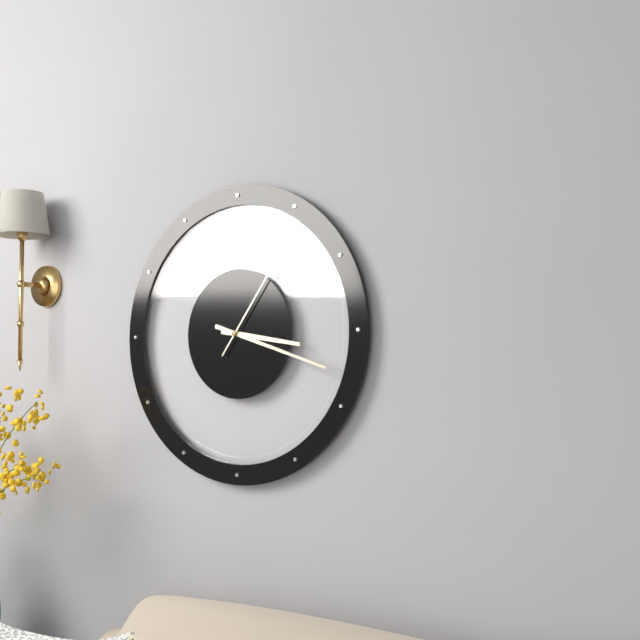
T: 3 h 18 min 06 s
